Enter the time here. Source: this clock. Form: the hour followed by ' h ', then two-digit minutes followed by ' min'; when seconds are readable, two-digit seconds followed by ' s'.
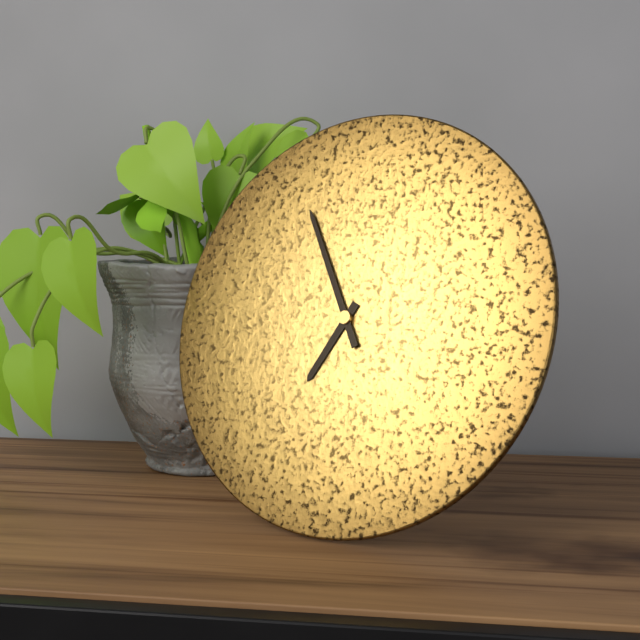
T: 6 h 55 min
